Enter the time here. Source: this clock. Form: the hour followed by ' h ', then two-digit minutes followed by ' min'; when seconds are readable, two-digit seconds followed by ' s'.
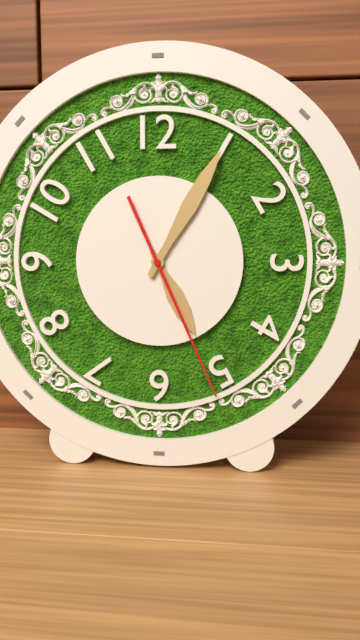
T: 5 h 05 min 26 s
